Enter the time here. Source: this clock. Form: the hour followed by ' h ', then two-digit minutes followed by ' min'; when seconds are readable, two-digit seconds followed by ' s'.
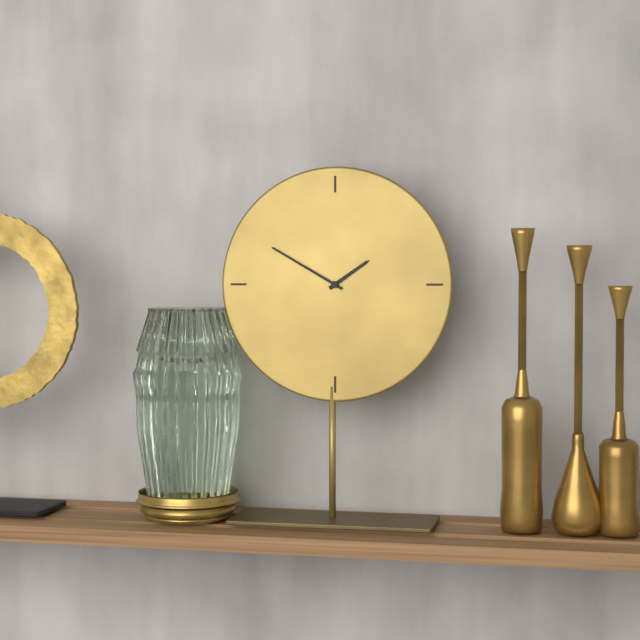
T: 1 h 50 min
